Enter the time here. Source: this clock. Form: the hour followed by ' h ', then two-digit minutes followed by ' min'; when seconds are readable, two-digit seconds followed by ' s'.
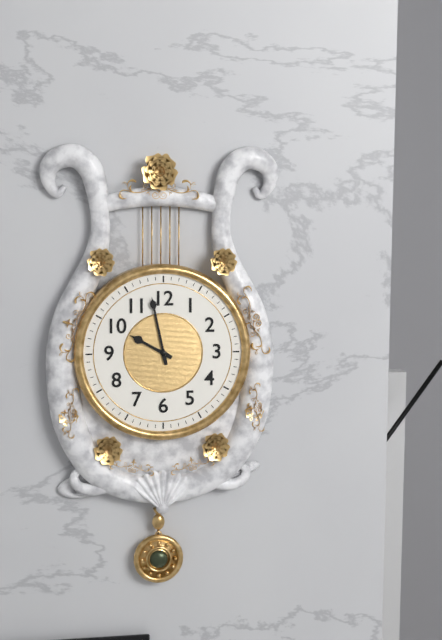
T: 9 h 58 min
